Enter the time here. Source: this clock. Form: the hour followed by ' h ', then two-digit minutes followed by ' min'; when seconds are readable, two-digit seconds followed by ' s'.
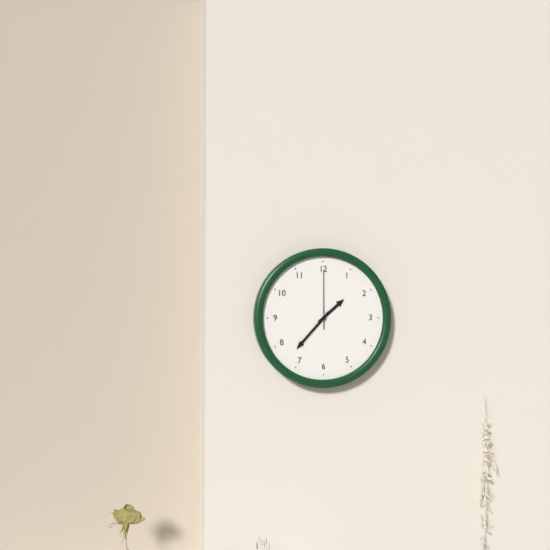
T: 1 h 37 min 00 s
